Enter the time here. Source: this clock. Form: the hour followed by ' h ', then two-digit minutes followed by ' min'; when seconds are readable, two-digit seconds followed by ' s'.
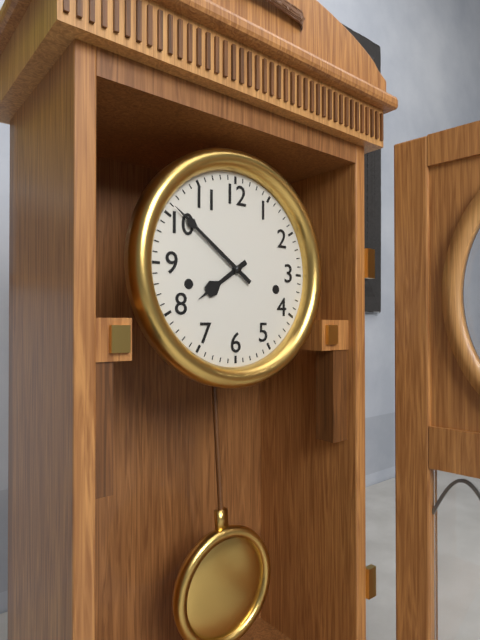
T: 7 h 51 min
